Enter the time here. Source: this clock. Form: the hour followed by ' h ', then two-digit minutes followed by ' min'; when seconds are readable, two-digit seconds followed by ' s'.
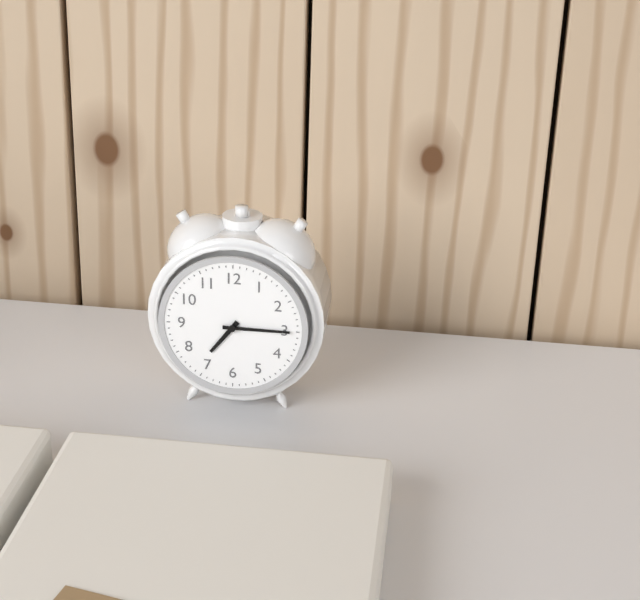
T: 7 h 15 min
